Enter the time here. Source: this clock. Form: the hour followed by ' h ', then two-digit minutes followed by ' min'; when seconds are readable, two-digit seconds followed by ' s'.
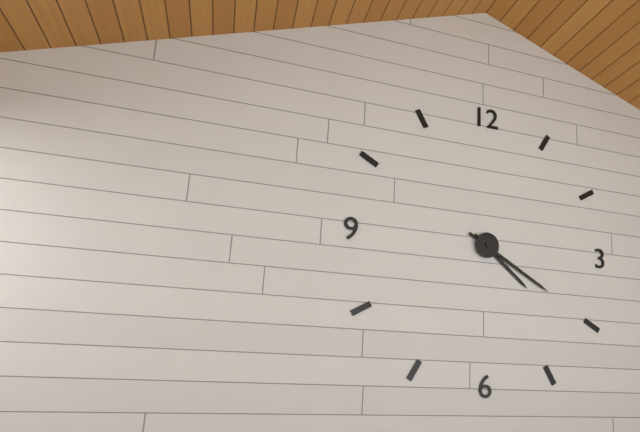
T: 4 h 20 min
